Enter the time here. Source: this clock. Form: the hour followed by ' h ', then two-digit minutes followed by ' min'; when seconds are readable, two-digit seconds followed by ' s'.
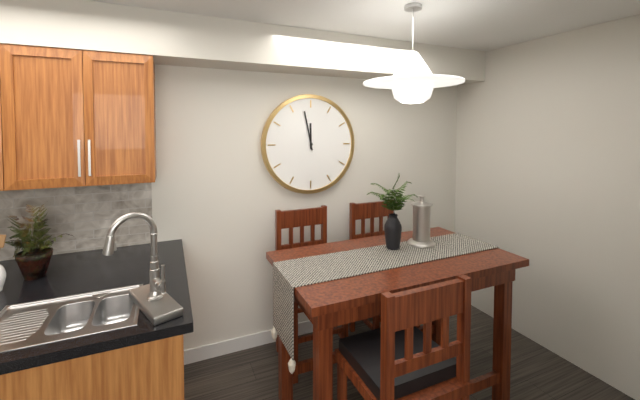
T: 11 h 58 min
